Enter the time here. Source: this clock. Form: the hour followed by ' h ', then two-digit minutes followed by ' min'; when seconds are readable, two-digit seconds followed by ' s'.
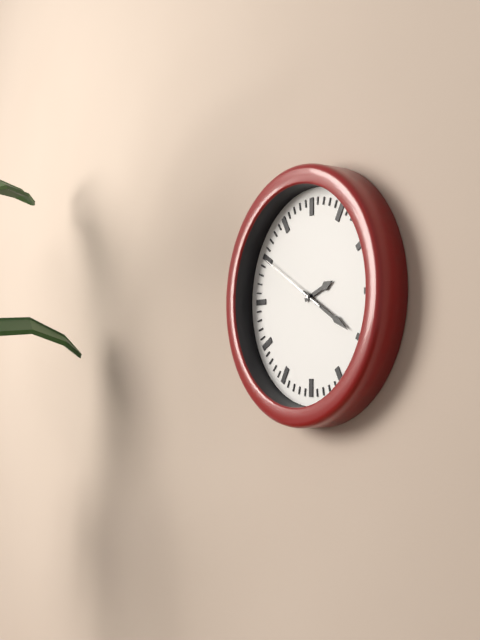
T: 2 h 20 min 50 s
